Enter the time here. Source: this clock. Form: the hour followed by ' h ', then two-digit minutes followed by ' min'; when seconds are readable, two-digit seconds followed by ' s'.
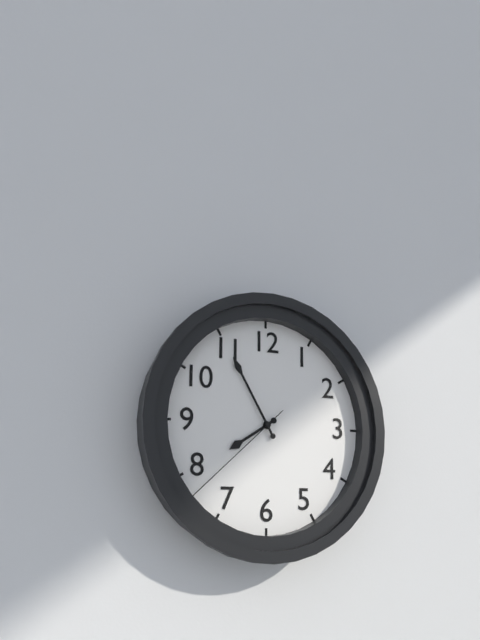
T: 7 h 55 min 38 s
